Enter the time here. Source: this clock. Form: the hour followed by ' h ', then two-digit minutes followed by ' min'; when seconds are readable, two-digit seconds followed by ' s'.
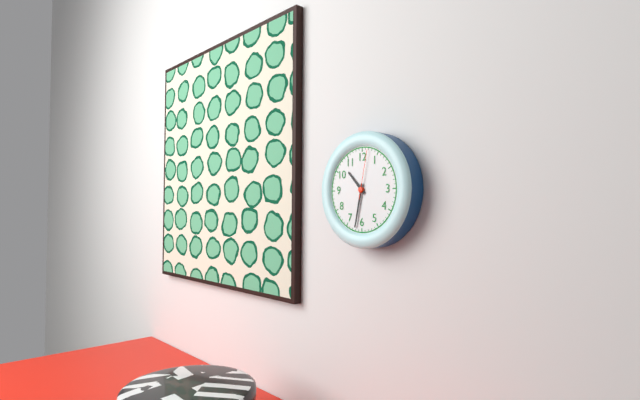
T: 10 h 32 min 02 s
